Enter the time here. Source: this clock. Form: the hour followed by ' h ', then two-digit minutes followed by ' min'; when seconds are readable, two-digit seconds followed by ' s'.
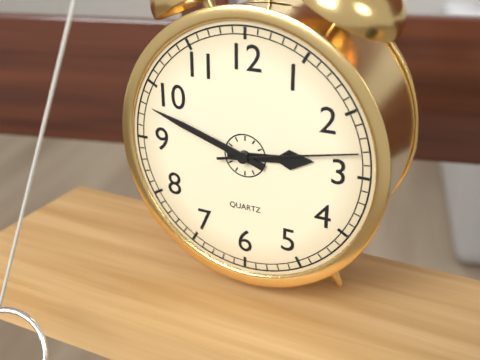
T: 2 h 48 min 13 s
